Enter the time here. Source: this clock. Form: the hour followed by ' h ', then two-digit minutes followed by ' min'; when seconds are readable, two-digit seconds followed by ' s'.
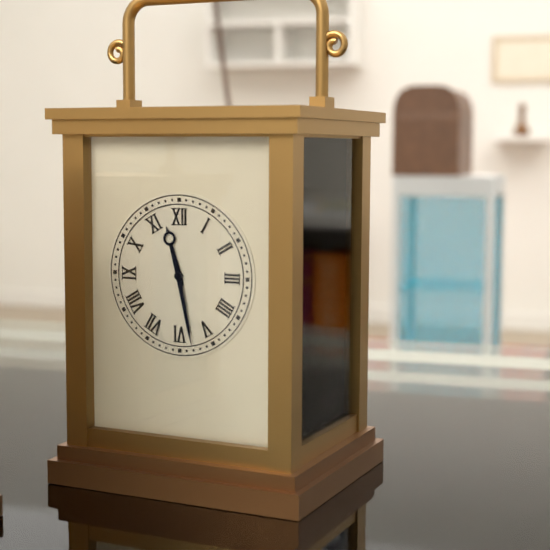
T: 11 h 28 min
